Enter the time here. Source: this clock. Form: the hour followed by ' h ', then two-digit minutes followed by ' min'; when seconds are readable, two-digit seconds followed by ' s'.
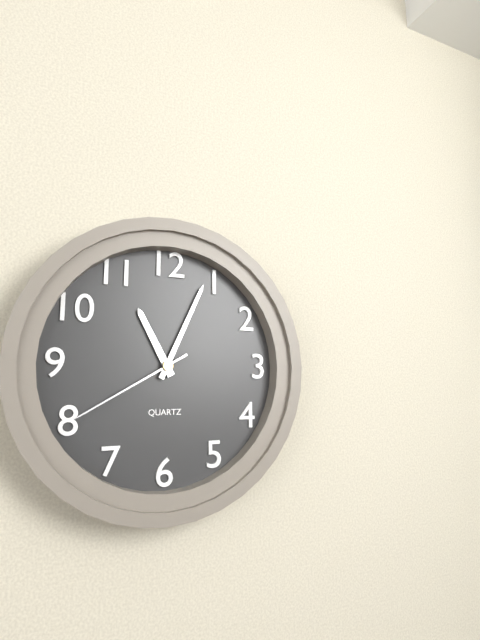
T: 11 h 04 min 40 s
